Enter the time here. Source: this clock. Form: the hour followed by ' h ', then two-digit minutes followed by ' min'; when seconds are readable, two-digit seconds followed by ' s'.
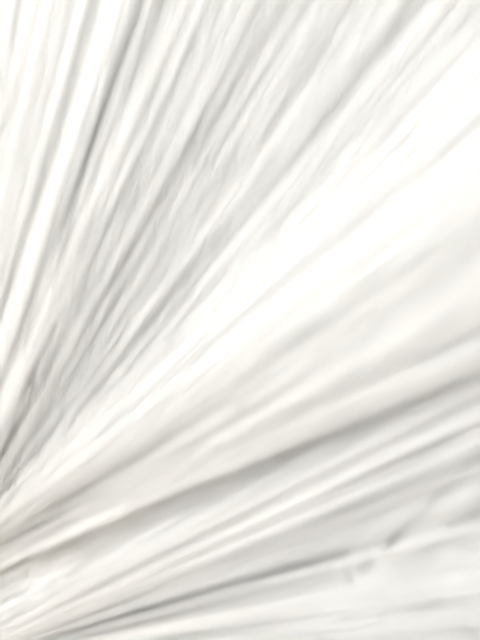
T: 11 h 45 min
